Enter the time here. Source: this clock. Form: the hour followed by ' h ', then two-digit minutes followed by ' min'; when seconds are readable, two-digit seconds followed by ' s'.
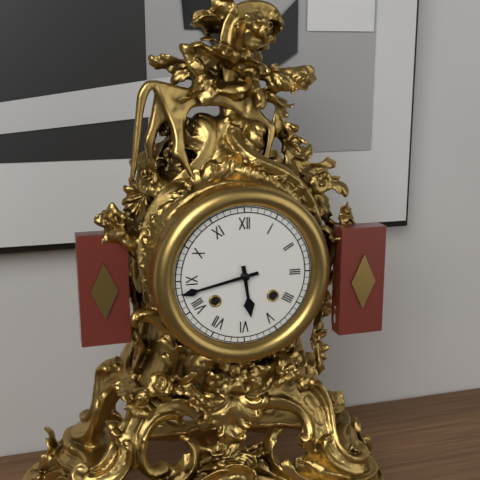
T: 5 h 43 min
